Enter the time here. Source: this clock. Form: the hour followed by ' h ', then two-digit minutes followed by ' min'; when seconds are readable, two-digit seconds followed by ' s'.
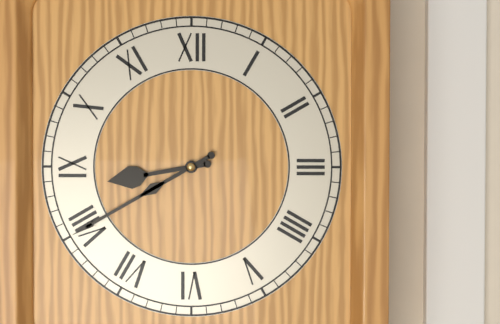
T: 8 h 40 min
